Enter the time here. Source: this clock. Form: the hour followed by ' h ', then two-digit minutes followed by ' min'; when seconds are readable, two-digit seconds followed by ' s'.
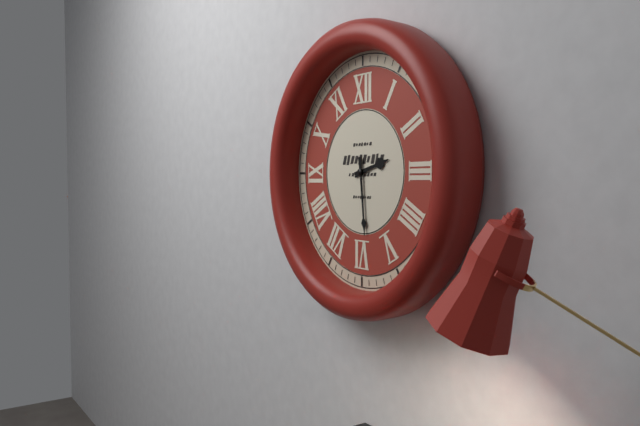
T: 2 h 29 min
